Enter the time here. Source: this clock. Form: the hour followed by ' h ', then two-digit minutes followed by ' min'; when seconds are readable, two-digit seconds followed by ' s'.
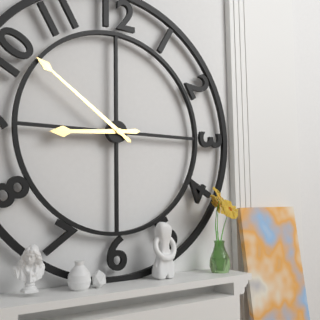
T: 8 h 51 min
